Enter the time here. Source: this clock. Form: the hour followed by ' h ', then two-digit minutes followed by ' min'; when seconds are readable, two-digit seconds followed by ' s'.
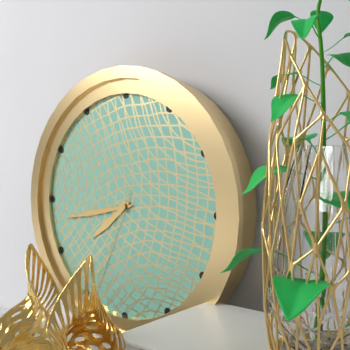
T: 7 h 43 min 34 s
